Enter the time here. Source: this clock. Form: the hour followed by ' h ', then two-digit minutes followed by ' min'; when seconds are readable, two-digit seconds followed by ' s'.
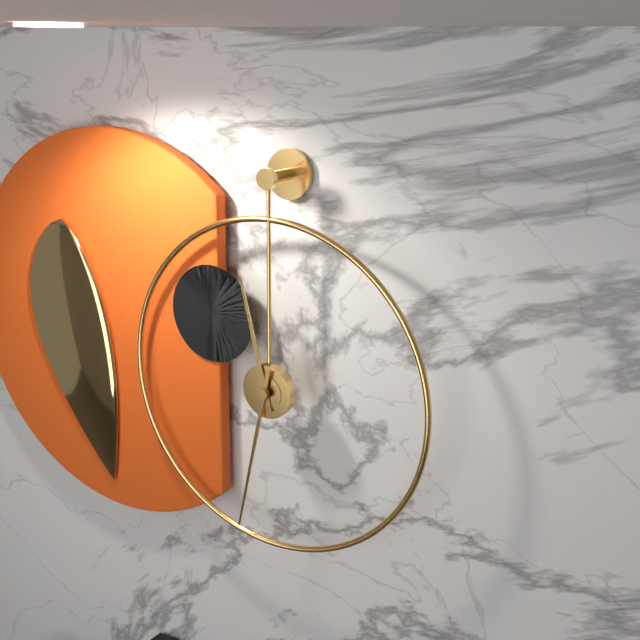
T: 11 h 32 min
